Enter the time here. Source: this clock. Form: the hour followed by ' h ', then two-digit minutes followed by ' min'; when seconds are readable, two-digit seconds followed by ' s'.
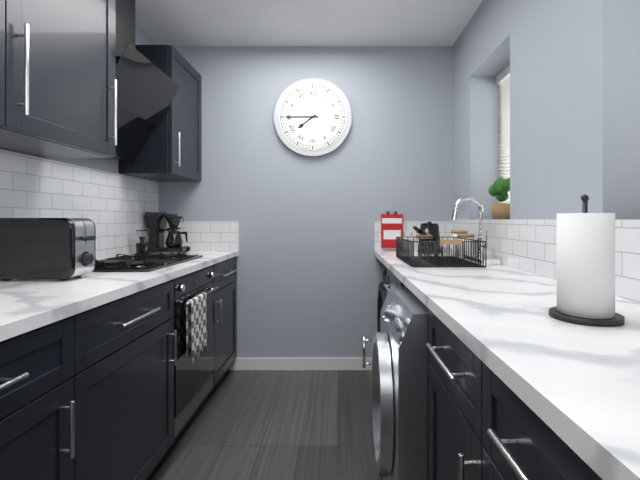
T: 7 h 45 min
